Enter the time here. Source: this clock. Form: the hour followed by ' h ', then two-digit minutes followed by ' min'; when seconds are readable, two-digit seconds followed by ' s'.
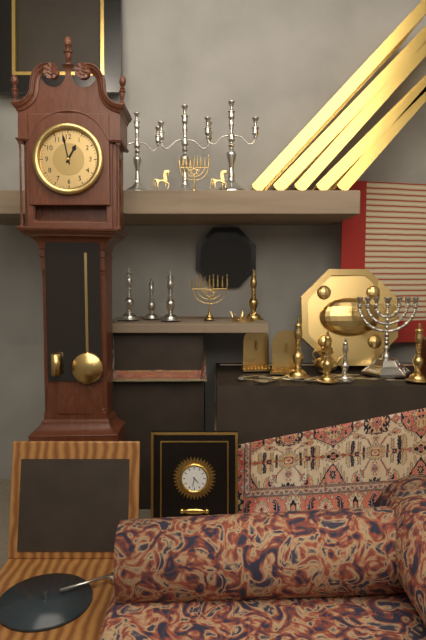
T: 12 h 58 min
